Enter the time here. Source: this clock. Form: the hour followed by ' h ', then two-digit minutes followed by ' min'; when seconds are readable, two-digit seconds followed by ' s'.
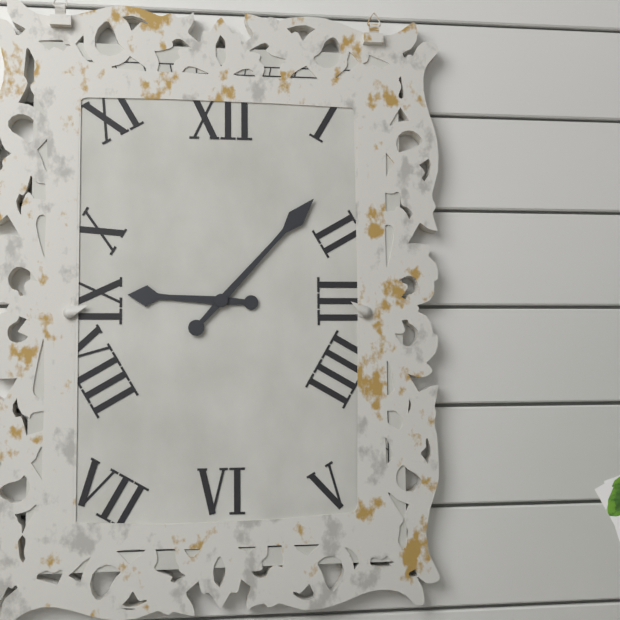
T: 9 h 07 min
